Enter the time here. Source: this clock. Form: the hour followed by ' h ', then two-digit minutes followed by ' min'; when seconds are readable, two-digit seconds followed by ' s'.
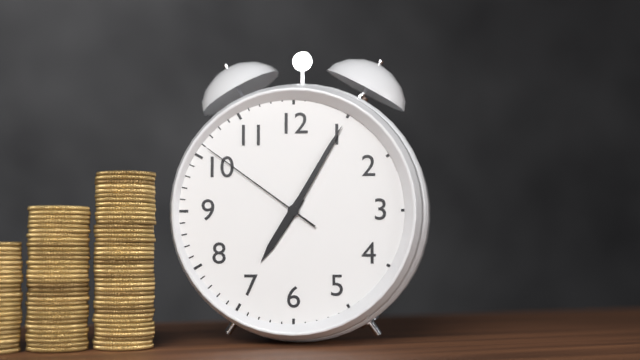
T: 7 h 05 min 51 s
